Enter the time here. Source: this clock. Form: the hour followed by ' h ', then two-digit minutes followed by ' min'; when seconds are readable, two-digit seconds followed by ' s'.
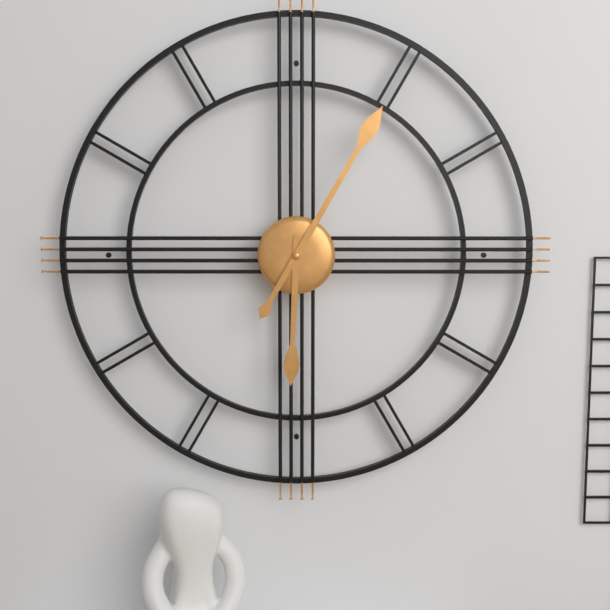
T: 6 h 05 min
